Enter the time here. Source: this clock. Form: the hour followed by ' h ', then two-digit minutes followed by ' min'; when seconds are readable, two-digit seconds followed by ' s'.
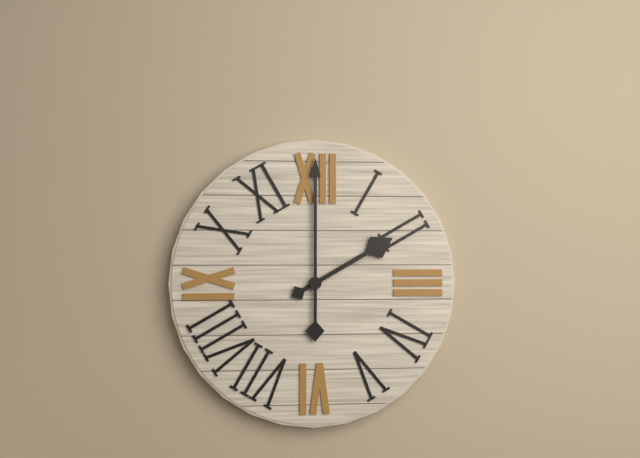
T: 2 h 00 min
